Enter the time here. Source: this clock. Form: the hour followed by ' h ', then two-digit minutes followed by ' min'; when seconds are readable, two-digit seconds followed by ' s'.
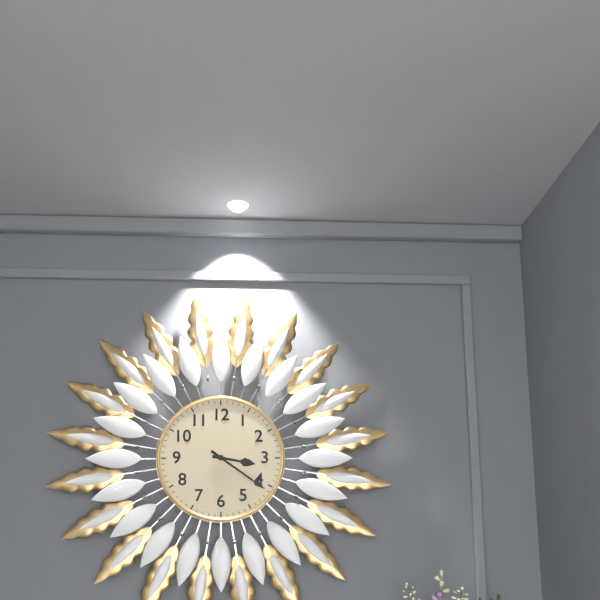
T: 3 h 21 min
